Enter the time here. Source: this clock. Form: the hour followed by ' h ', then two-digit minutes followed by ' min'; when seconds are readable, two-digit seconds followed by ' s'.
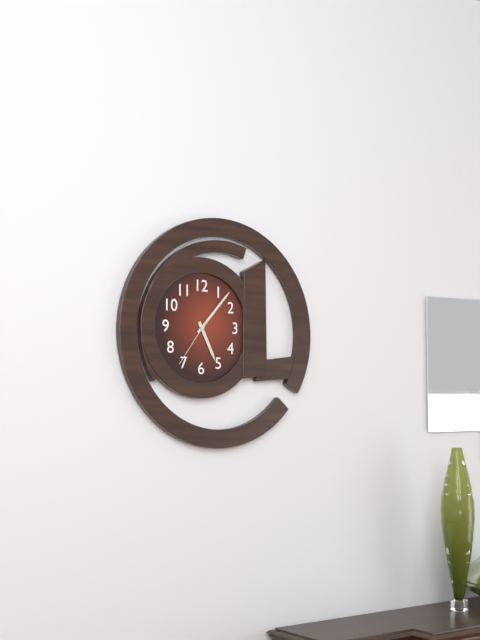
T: 5 h 07 min 36 s
